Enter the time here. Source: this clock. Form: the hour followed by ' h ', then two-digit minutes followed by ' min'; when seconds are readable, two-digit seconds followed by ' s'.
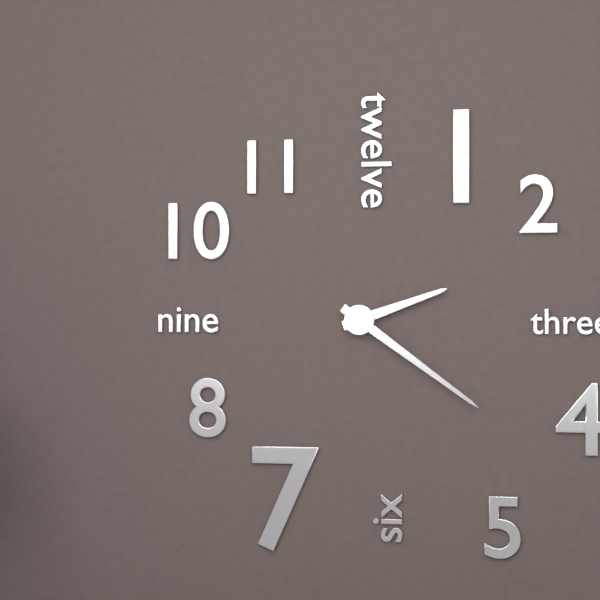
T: 2 h 21 min
